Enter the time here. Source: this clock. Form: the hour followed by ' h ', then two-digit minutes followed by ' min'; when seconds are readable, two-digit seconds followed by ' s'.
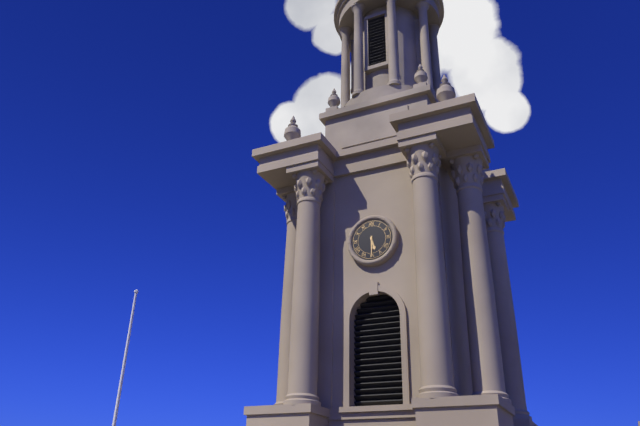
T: 5 h 30 min
